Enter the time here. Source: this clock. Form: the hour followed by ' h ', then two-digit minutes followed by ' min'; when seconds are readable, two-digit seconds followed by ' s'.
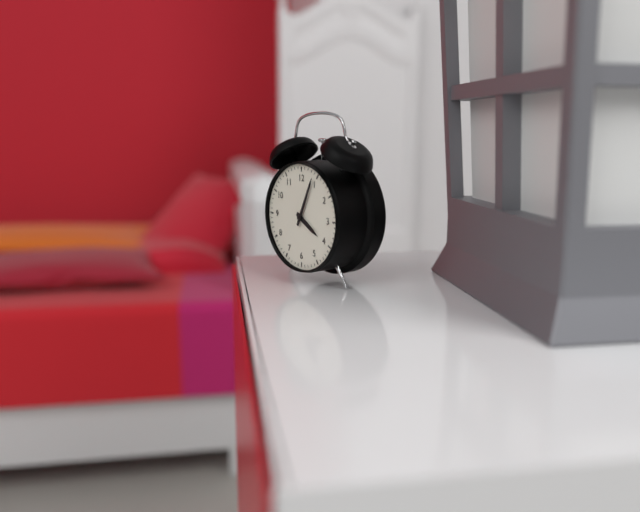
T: 4 h 04 min
